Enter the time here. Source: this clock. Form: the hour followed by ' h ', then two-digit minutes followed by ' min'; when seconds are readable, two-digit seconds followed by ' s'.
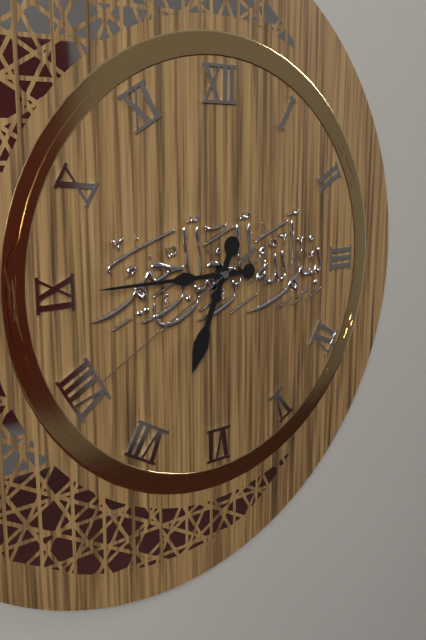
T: 6 h 45 min 40 s
